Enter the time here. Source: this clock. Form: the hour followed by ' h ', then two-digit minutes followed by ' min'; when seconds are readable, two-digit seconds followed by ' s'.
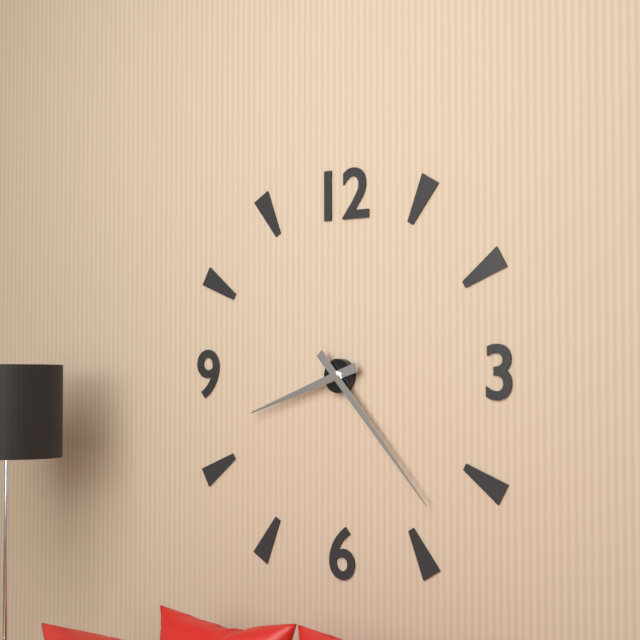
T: 8 h 23 min
